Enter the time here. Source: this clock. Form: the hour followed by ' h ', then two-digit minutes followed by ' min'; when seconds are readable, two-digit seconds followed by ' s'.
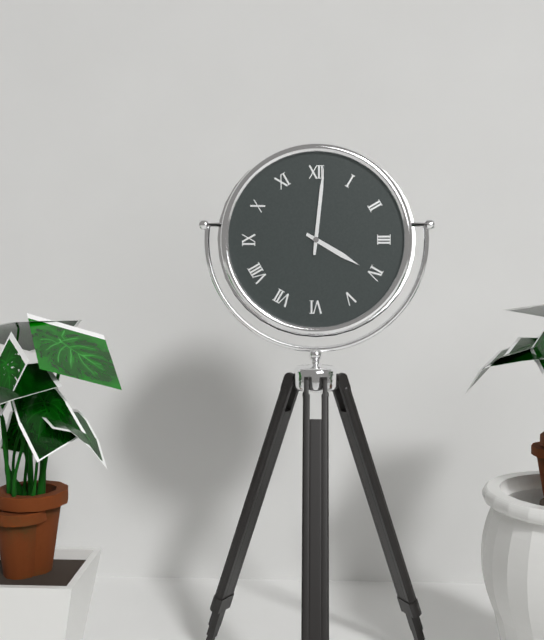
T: 4 h 01 min
